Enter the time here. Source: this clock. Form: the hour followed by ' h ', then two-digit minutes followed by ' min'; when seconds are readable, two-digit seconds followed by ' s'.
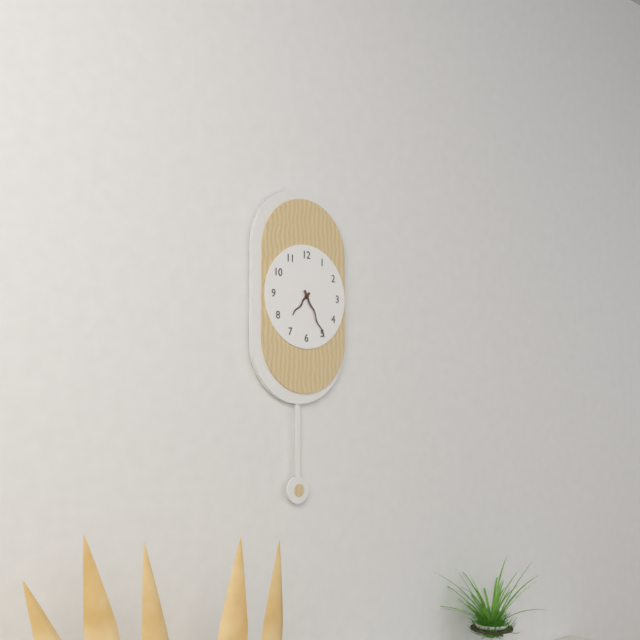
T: 7 h 25 min
